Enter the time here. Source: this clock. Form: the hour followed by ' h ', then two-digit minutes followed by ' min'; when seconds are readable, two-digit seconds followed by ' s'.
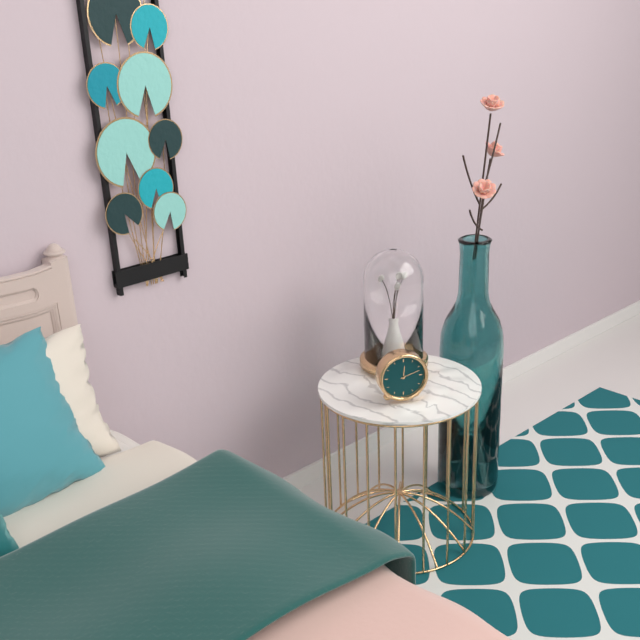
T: 12 h 12 min
